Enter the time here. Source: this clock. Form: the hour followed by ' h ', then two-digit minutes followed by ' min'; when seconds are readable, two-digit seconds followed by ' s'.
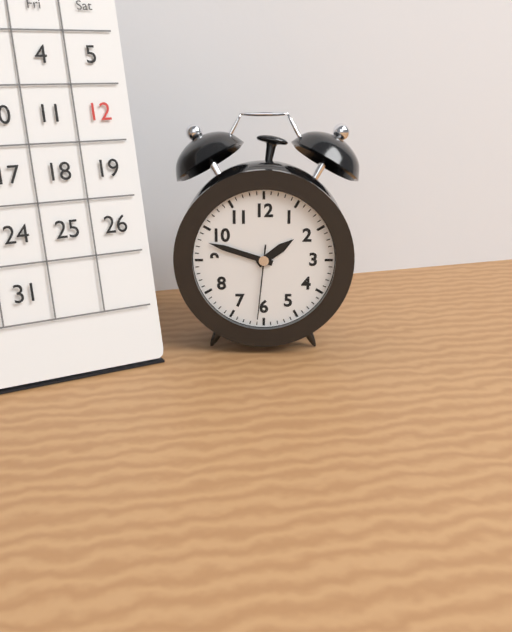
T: 1 h 48 min 31 s
